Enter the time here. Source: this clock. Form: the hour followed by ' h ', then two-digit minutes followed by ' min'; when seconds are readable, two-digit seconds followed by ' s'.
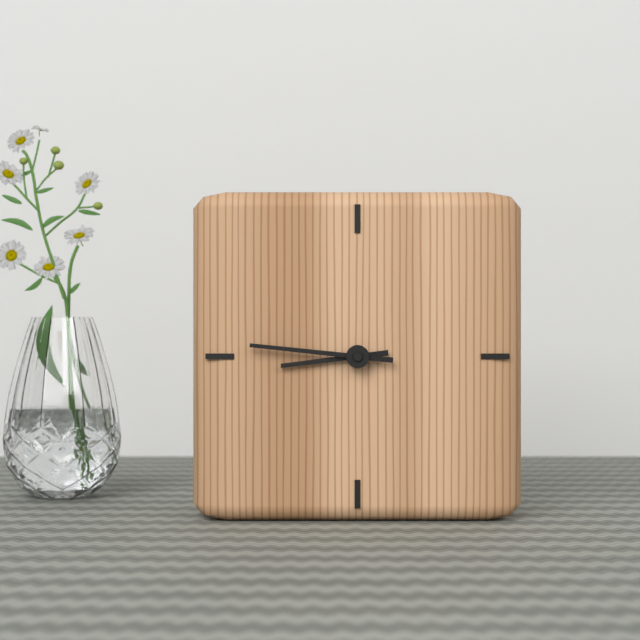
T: 8 h 46 min
